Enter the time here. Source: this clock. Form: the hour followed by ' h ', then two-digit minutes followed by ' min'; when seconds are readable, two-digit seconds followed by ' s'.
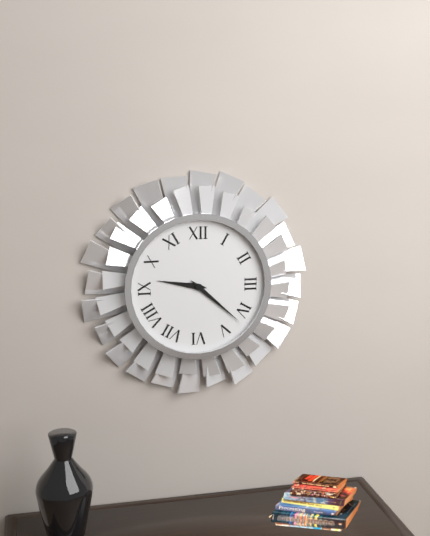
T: 9 h 22 min
